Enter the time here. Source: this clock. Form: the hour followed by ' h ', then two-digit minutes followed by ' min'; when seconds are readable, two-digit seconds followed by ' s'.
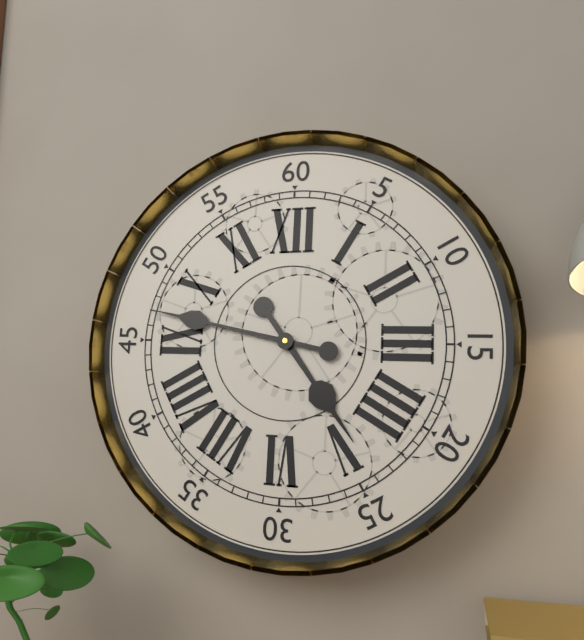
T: 4 h 47 min
